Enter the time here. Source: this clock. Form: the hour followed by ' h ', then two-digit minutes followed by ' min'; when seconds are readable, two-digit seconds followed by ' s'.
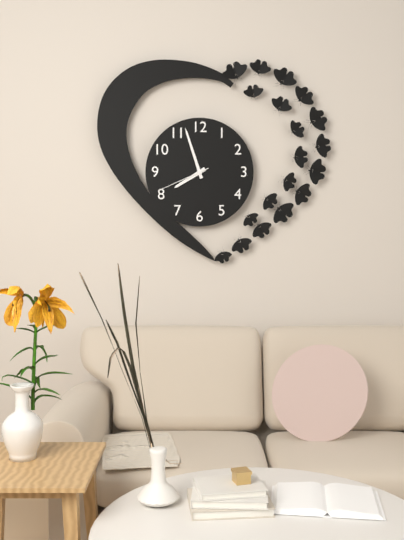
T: 7 h 57 min 41 s
